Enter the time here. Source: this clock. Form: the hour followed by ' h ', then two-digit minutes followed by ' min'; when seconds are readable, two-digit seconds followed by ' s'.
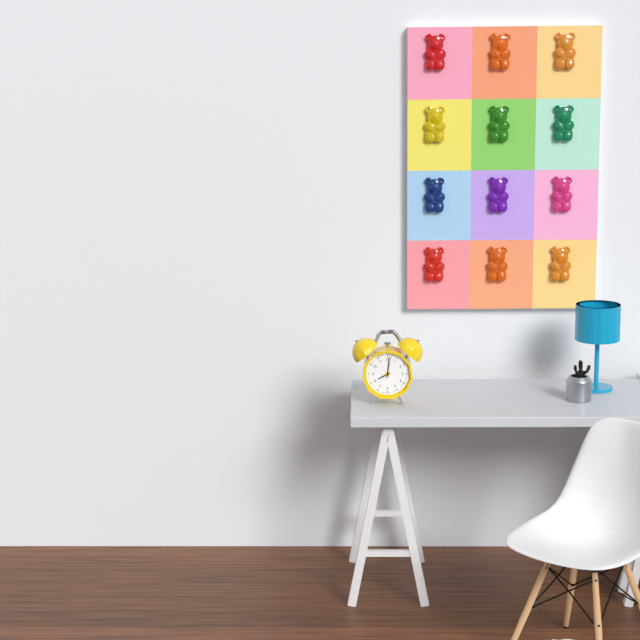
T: 8 h 01 min
